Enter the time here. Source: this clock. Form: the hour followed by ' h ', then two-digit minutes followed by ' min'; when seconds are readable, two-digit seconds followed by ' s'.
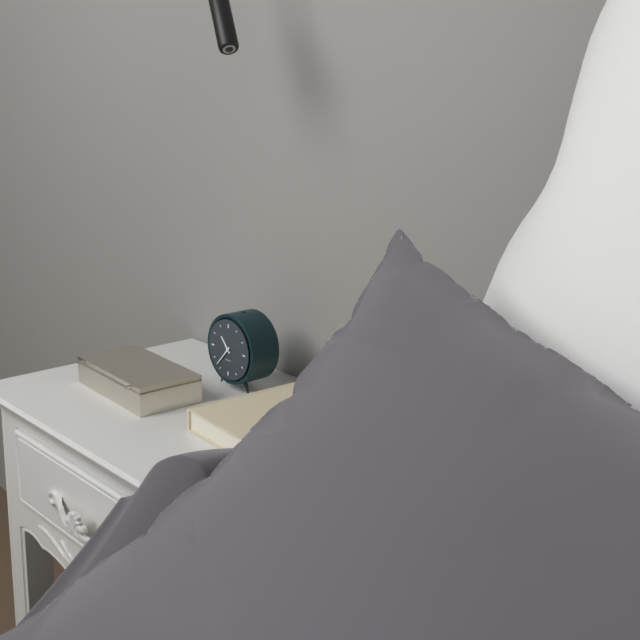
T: 10 h 37 min
